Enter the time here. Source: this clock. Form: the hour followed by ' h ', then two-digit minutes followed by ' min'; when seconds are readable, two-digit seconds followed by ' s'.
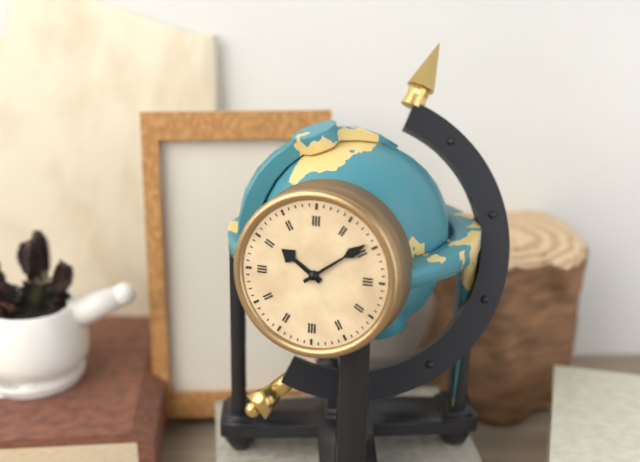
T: 10 h 09 min
